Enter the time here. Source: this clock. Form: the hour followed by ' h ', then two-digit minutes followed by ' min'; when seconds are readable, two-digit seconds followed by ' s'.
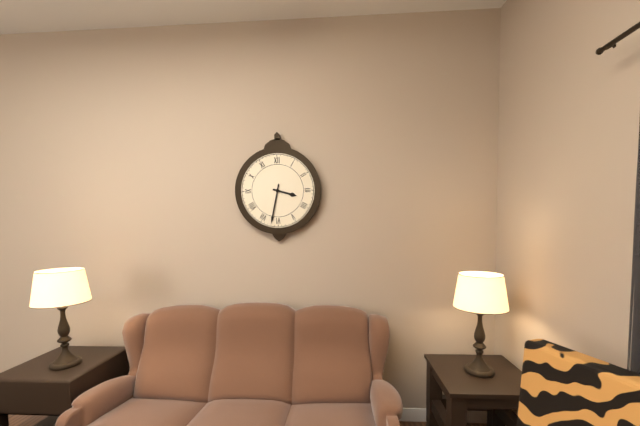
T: 3 h 32 min
